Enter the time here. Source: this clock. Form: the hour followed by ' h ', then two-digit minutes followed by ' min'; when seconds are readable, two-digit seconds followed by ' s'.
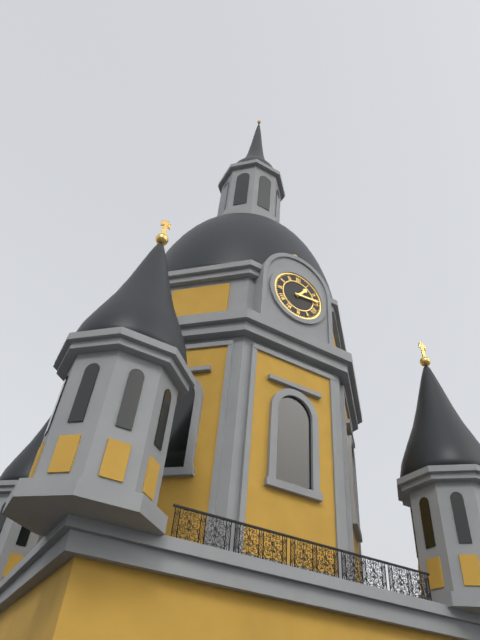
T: 1 h 14 min
